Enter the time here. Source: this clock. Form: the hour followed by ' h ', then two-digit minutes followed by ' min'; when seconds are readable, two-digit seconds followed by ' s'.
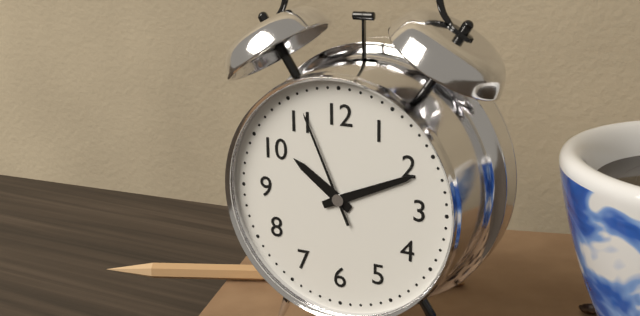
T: 10 h 11 min 56 s
